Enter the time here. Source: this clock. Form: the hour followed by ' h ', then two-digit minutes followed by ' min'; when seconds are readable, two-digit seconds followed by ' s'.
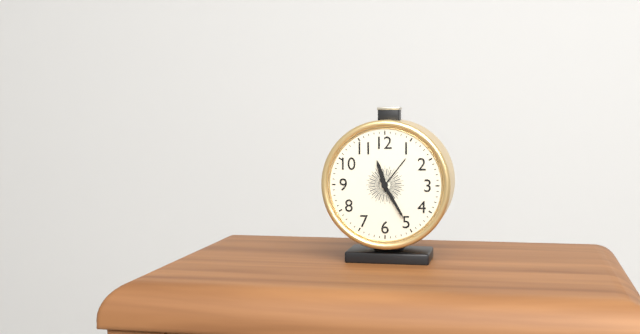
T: 11 h 25 min
